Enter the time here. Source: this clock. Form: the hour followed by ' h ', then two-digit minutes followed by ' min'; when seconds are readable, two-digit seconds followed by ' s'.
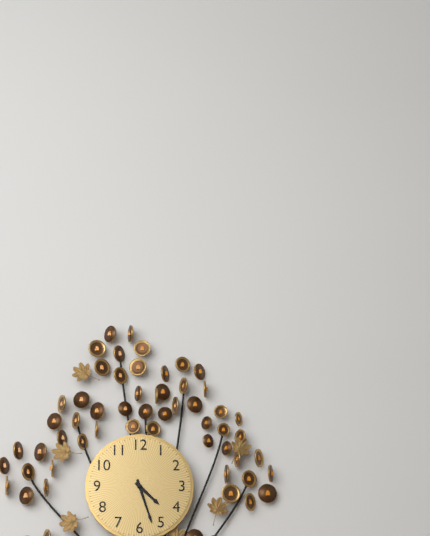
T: 4 h 27 min
